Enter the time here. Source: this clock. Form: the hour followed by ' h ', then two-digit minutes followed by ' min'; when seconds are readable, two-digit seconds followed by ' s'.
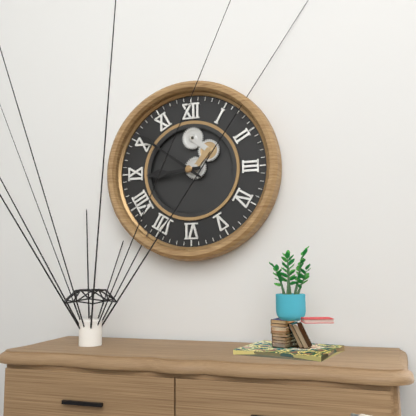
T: 8 h 51 min
